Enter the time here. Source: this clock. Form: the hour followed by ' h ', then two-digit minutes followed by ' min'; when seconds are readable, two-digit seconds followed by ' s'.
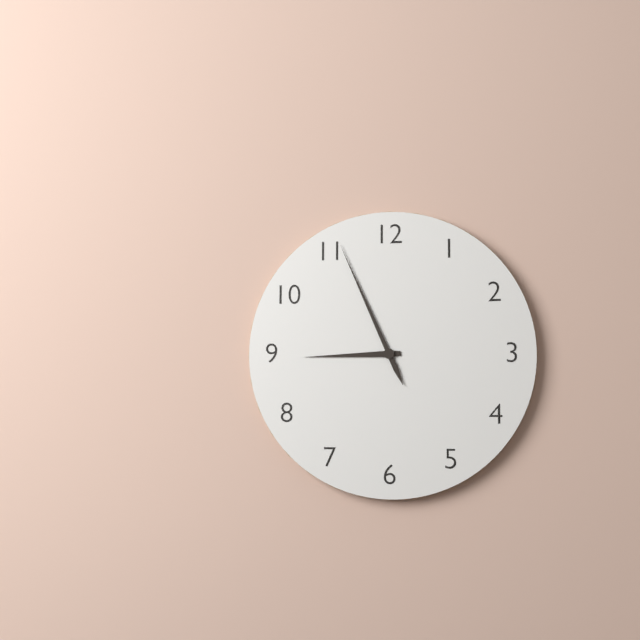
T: 8 h 56 min
